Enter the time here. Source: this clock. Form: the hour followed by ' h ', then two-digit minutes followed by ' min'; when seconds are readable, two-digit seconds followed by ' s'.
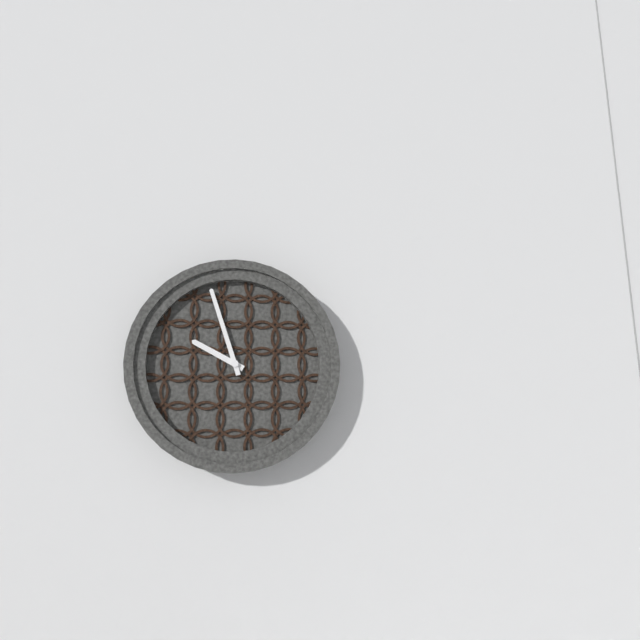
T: 9 h 57 min
